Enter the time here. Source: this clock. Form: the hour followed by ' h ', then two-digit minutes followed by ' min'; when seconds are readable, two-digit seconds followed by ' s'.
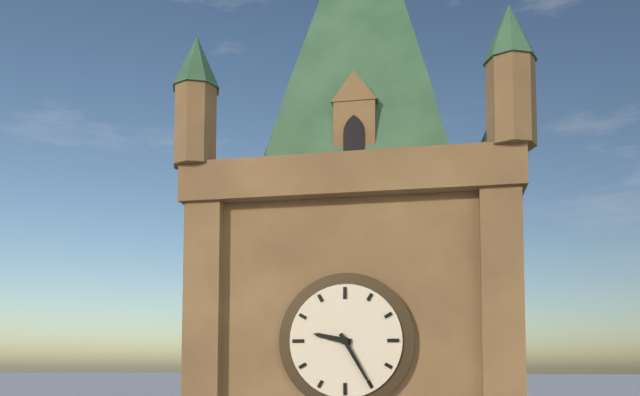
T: 9 h 25 min
